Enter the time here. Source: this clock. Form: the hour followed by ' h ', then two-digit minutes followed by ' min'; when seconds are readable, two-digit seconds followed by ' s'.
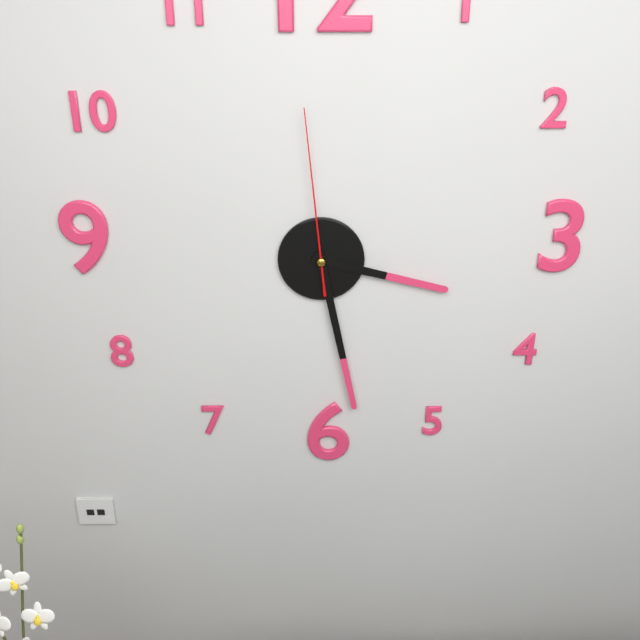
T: 3 h 28 min 59 s
